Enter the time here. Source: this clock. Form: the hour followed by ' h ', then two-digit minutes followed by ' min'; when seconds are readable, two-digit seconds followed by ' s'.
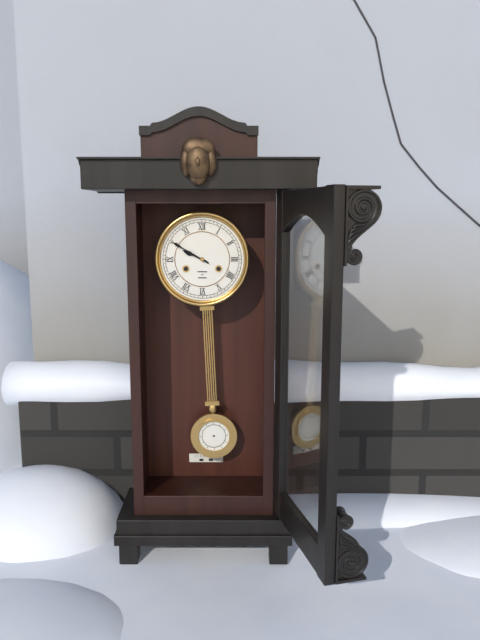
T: 9 h 50 min
